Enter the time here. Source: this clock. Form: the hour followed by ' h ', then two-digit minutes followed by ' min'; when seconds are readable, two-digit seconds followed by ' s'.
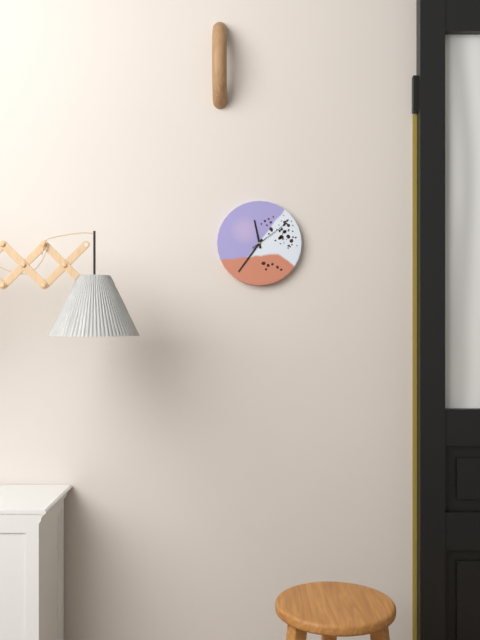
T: 11 h 36 min
